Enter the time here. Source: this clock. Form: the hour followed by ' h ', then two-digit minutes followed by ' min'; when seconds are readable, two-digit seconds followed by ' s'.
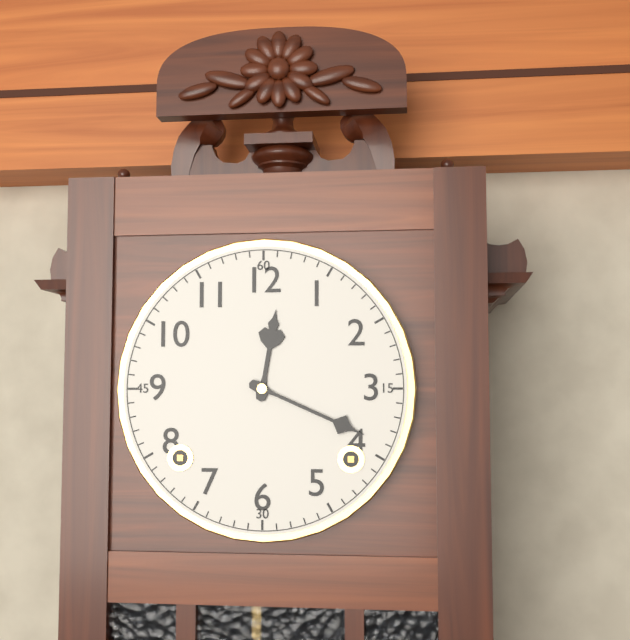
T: 12 h 19 min
